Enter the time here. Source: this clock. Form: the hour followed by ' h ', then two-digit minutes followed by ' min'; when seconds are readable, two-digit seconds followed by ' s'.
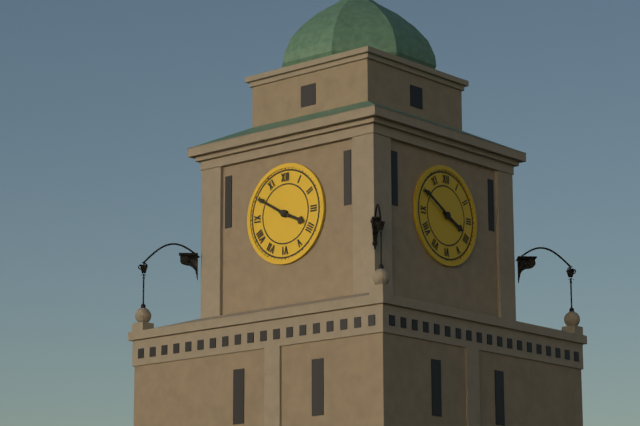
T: 3 h 50 min
